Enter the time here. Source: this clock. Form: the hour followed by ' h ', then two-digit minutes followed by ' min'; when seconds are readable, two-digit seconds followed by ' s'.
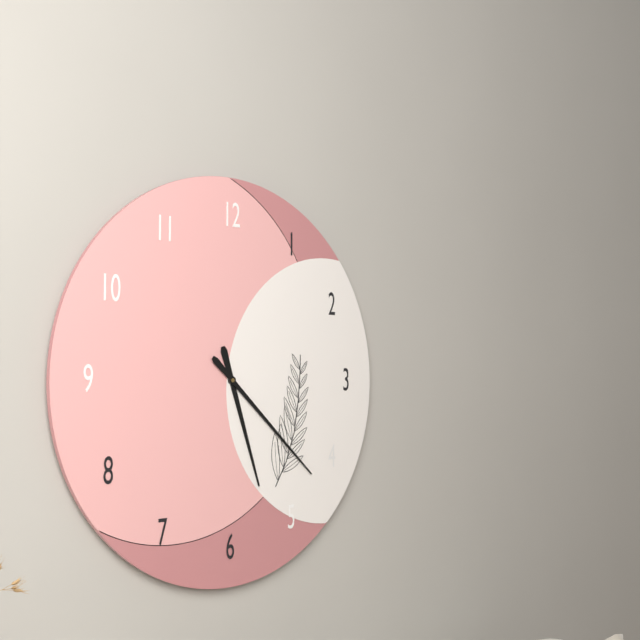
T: 5 h 22 min
